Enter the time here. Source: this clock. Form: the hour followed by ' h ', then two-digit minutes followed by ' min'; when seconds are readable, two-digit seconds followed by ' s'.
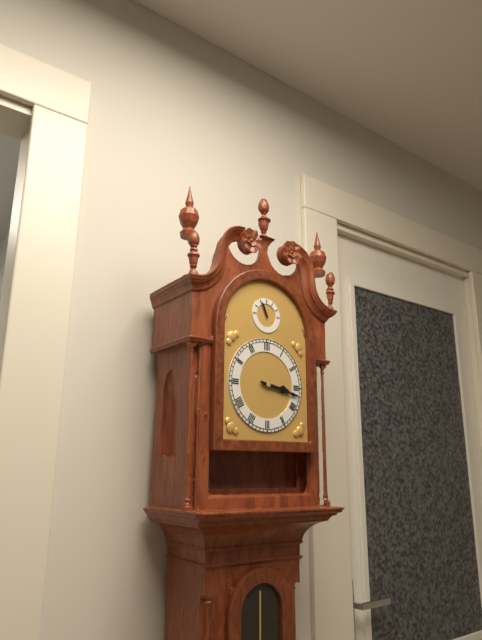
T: 3 h 17 min
